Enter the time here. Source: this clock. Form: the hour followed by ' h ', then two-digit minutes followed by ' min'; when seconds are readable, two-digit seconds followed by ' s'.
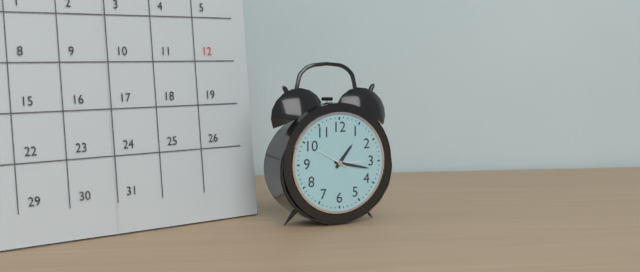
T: 1 h 17 min
